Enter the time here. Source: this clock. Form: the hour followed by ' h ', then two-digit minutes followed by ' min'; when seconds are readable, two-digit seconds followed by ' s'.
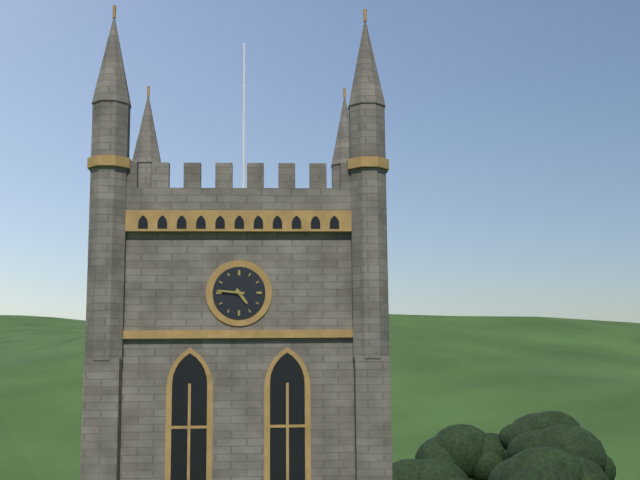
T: 4 h 46 min
